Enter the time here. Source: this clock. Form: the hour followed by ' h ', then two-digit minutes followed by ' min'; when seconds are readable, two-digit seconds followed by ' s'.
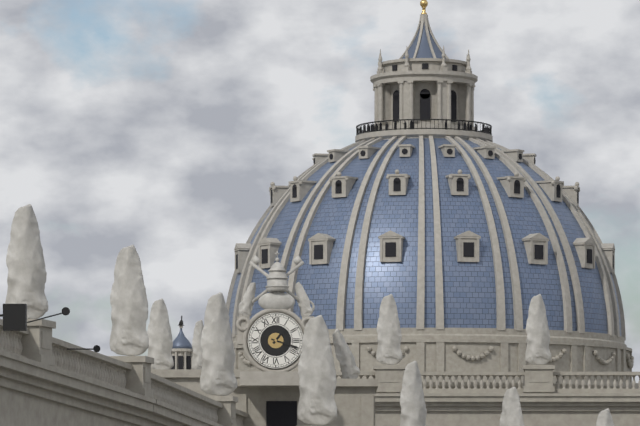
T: 1 h 18 min
